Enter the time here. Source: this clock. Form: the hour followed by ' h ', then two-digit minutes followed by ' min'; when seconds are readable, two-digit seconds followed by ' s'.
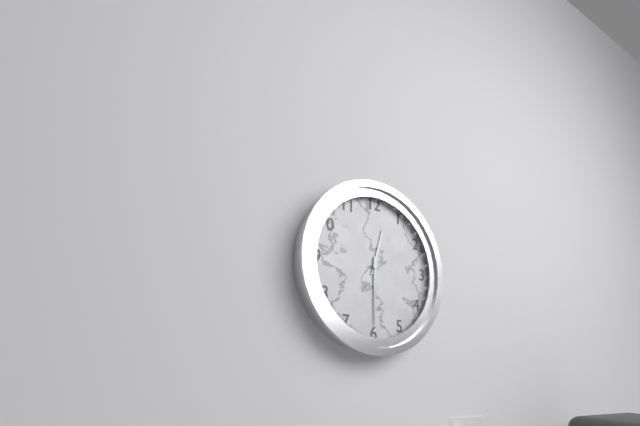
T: 12 h 30 min
